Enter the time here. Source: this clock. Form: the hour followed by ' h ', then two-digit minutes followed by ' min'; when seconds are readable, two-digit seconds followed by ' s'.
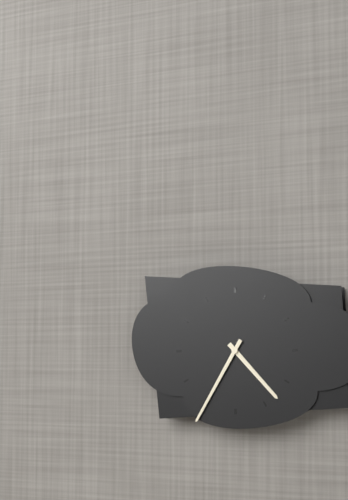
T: 4 h 35 min
